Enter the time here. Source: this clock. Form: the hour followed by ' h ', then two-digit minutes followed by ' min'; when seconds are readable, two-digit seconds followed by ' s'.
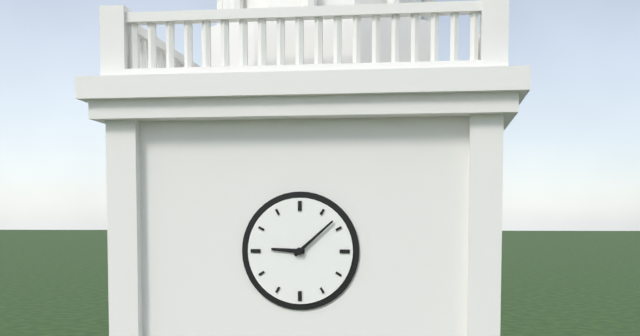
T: 9 h 08 min
